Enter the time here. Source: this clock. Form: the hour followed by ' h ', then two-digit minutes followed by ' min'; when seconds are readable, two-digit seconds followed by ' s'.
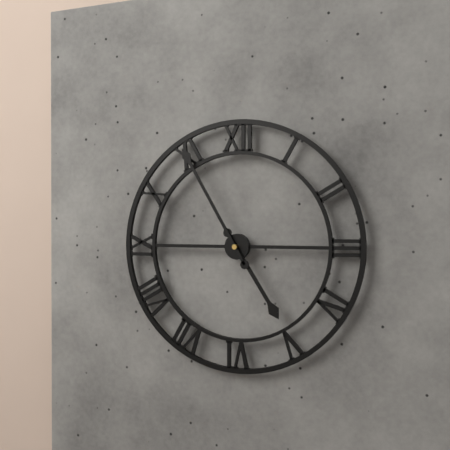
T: 4 h 55 min
